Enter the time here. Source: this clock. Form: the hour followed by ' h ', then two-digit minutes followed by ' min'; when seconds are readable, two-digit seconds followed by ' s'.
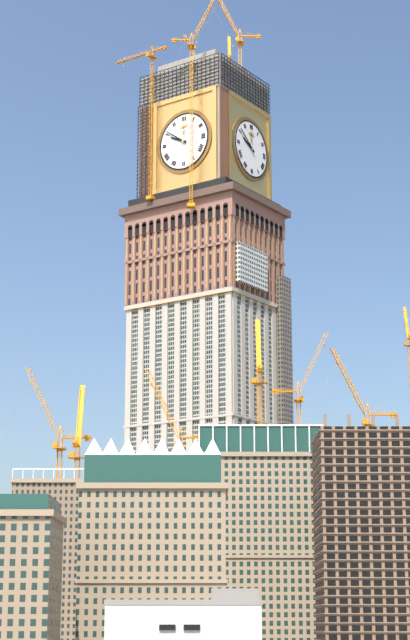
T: 9 h 51 min
